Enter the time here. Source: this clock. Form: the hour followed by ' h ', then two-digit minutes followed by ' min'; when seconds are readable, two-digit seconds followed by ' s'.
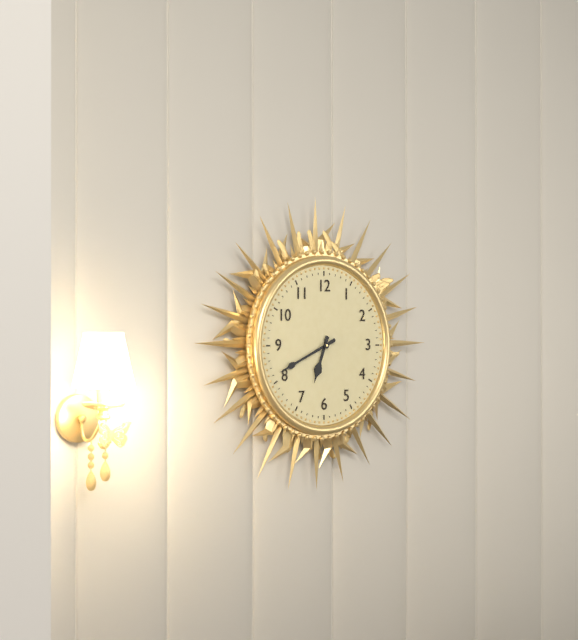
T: 6 h 41 min
